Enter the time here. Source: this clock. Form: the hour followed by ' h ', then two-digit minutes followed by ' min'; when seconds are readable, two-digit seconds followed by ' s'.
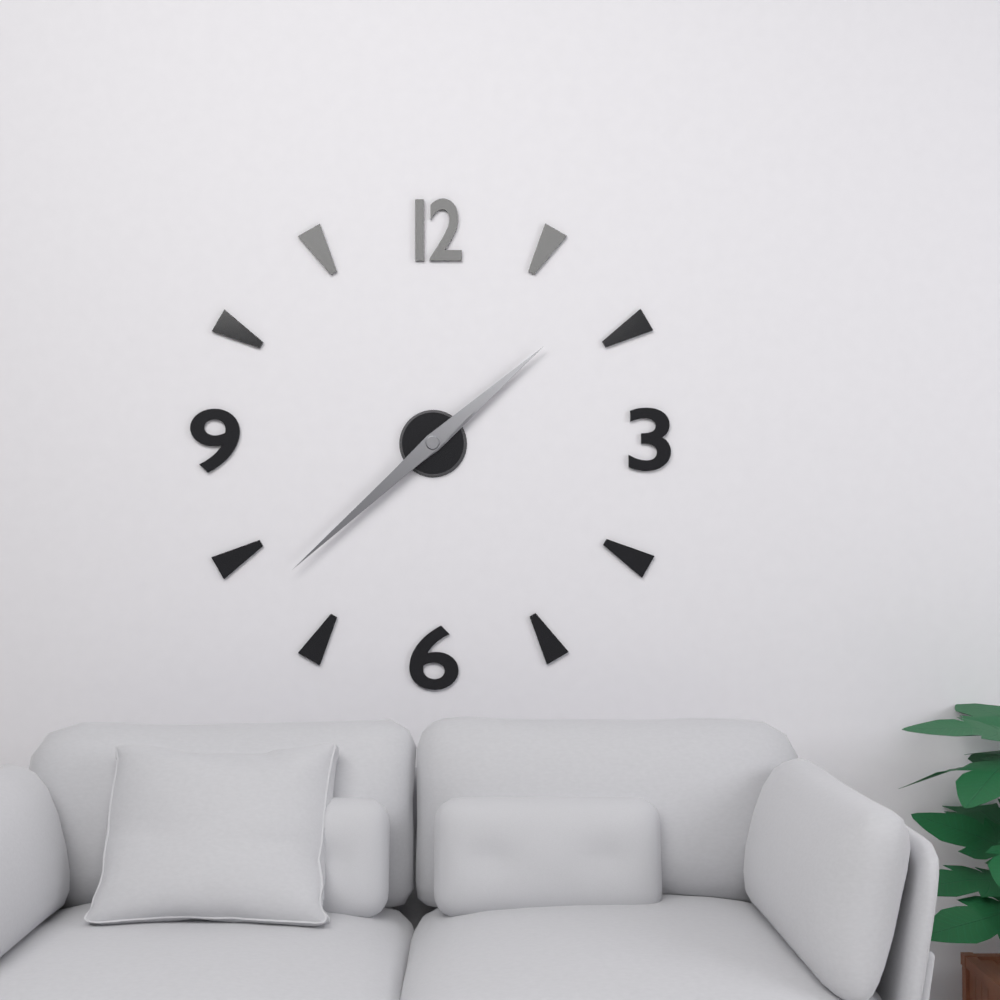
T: 1 h 38 min
